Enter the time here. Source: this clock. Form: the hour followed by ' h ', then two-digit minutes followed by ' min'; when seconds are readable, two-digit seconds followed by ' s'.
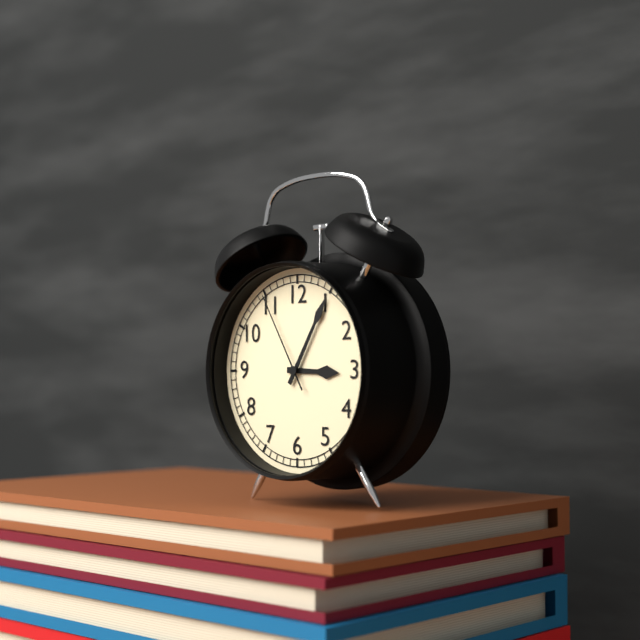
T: 3 h 05 min 55 s
